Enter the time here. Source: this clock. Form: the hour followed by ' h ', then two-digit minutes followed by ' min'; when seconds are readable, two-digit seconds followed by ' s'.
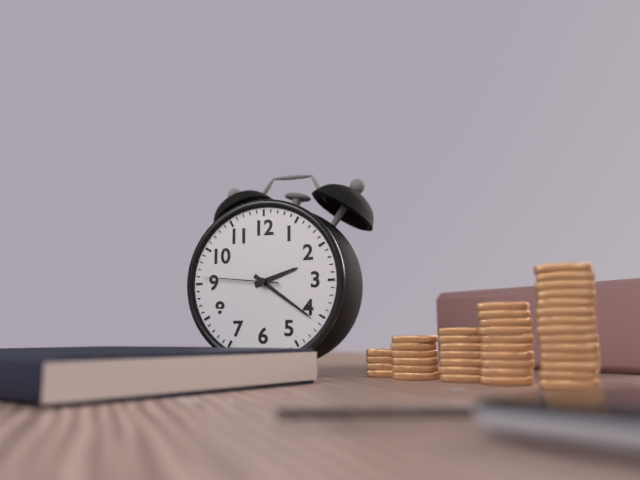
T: 2 h 21 min 46 s
